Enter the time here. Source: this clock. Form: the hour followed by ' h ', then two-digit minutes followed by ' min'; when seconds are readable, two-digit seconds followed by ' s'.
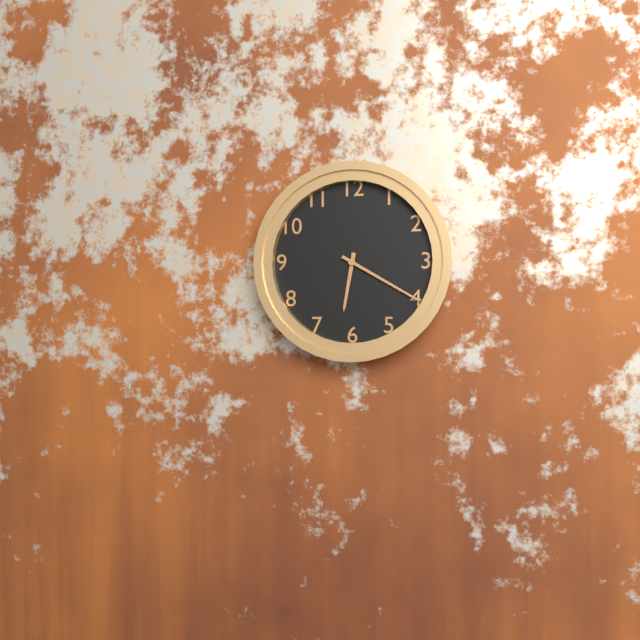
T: 6 h 20 min
